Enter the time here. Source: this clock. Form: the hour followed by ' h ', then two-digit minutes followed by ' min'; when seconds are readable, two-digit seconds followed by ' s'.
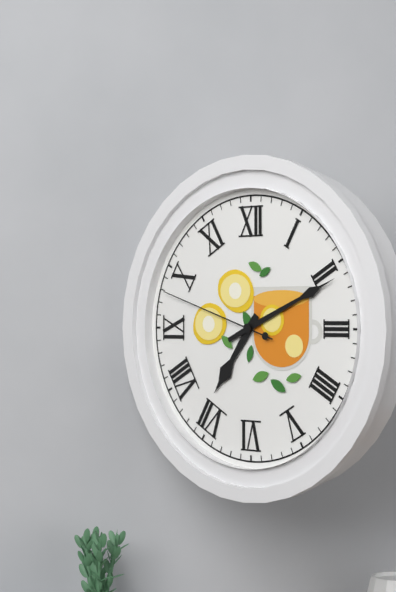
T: 7 h 11 min 48 s
